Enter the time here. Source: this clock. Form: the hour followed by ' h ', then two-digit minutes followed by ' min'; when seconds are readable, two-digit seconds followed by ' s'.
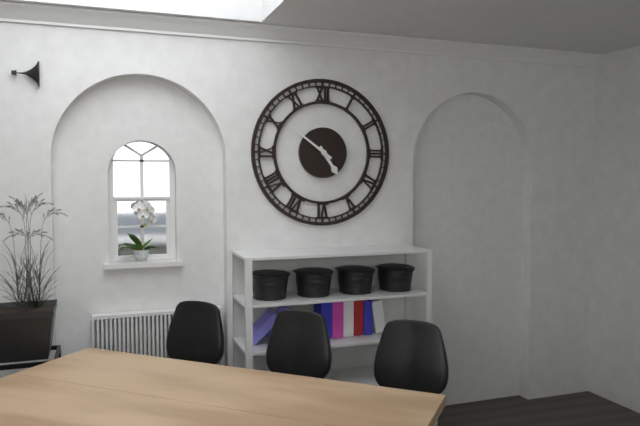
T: 4 h 51 min
